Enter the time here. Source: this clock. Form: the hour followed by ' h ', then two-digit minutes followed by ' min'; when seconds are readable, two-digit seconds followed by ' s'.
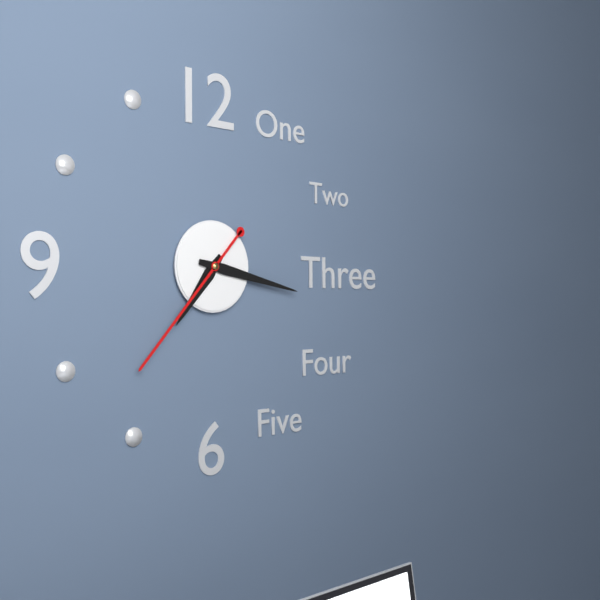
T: 7 h 17 min 37 s
